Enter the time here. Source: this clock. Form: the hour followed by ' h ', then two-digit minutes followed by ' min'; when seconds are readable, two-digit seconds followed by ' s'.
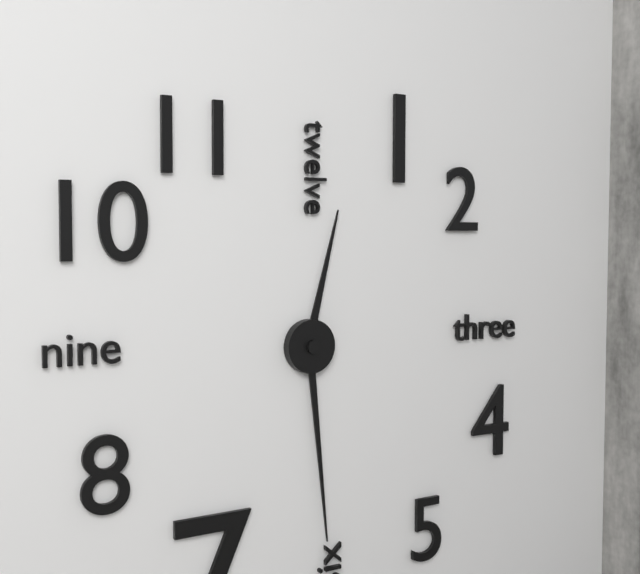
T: 12 h 29 min
